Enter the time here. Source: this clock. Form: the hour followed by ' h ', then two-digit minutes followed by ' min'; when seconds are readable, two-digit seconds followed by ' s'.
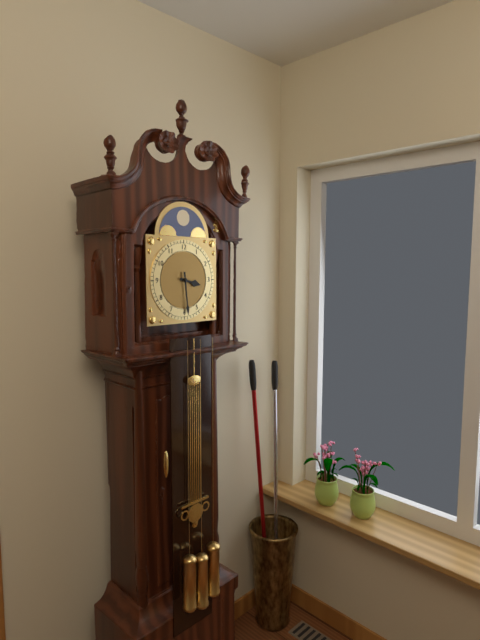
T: 3 h 29 min
